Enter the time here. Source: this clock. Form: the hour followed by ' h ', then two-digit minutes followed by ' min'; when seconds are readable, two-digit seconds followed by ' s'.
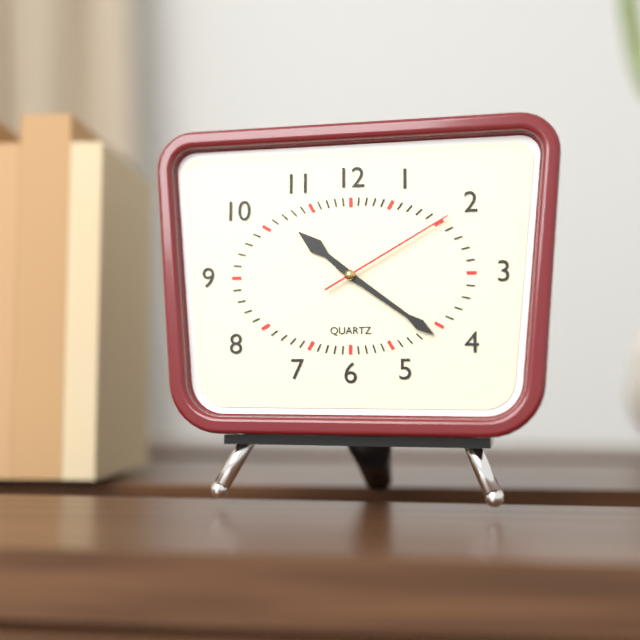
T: 10 h 21 min 10 s
